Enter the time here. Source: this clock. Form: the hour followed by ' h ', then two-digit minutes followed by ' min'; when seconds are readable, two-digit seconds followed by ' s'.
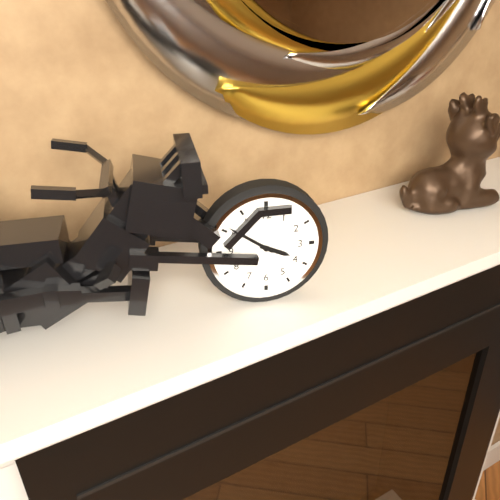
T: 3 h 51 min
